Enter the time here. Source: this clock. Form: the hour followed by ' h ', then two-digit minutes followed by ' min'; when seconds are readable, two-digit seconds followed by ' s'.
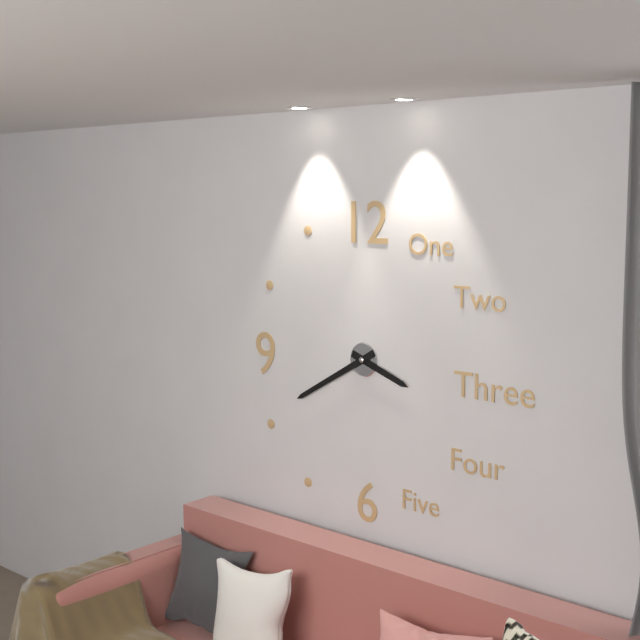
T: 3 h 40 min
